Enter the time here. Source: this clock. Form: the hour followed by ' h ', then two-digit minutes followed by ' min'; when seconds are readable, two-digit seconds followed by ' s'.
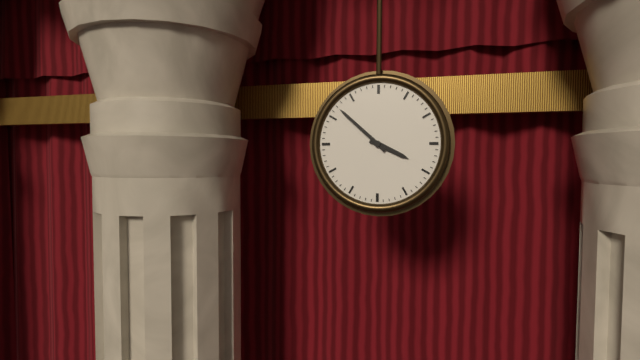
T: 3 h 52 min
